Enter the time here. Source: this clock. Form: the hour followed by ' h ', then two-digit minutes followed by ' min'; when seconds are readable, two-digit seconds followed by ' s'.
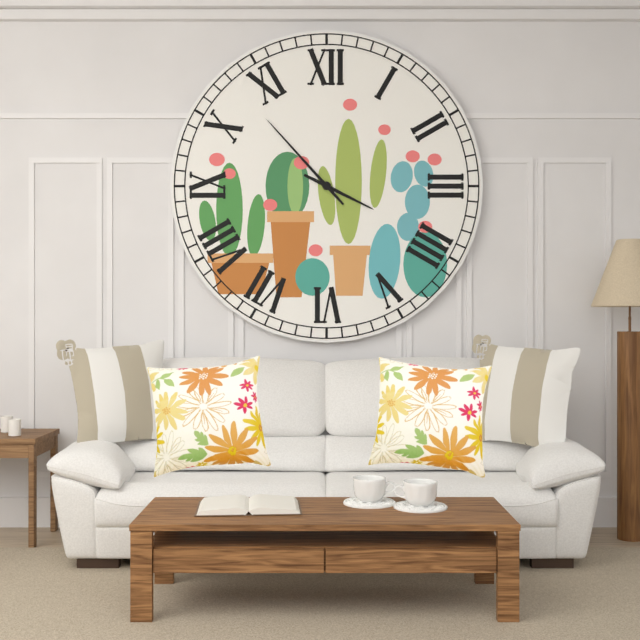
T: 3 h 53 min
